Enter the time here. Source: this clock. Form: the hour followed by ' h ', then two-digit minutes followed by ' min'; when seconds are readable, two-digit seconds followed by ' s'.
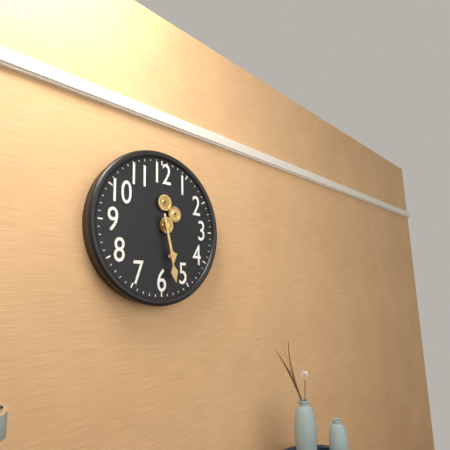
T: 5 h 28 min
